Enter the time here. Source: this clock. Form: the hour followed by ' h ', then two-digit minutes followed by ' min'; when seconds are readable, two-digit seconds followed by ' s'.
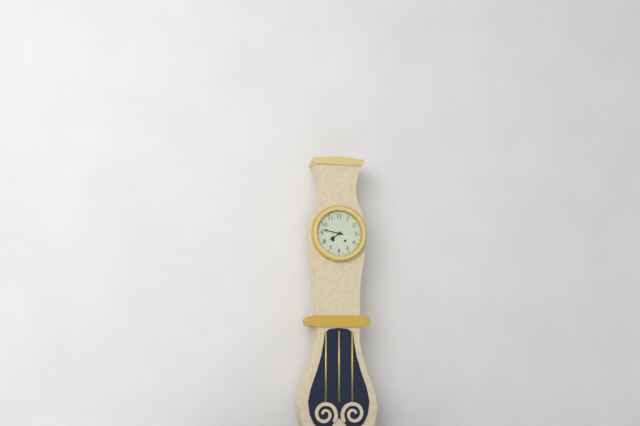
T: 7 h 47 min
